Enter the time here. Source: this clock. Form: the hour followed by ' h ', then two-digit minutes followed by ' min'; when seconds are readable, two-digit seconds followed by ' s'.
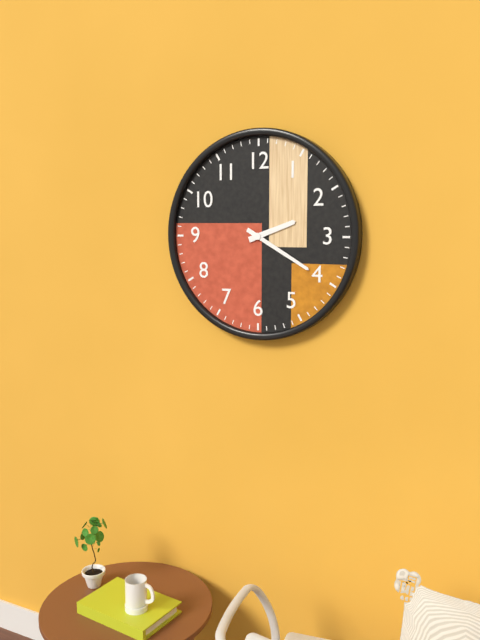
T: 2 h 20 min
